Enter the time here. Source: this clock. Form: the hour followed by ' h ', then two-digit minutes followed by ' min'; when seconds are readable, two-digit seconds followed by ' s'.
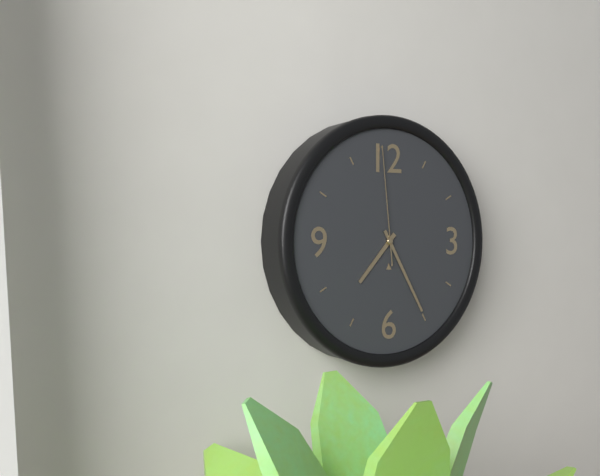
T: 7 h 25 min 59 s
